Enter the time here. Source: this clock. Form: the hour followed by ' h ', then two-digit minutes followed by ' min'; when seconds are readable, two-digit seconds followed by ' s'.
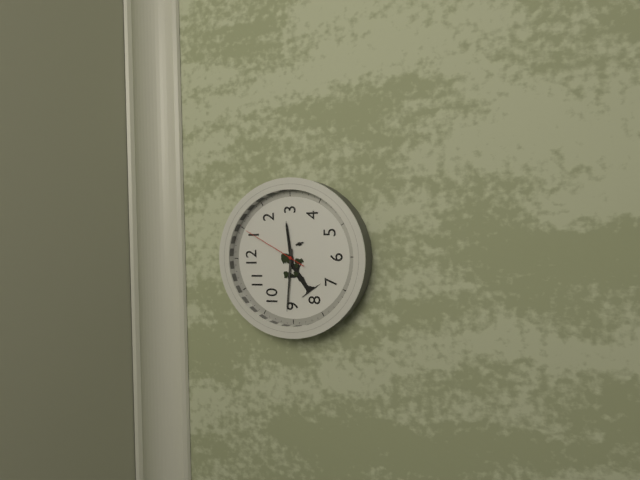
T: 2 h 46 min 05 s
